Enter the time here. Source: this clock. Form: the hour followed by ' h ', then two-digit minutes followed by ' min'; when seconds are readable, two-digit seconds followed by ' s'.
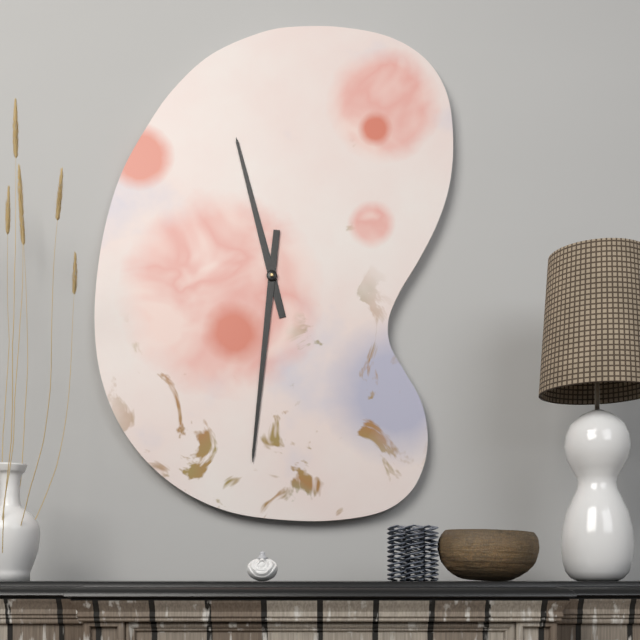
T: 11 h 31 min
